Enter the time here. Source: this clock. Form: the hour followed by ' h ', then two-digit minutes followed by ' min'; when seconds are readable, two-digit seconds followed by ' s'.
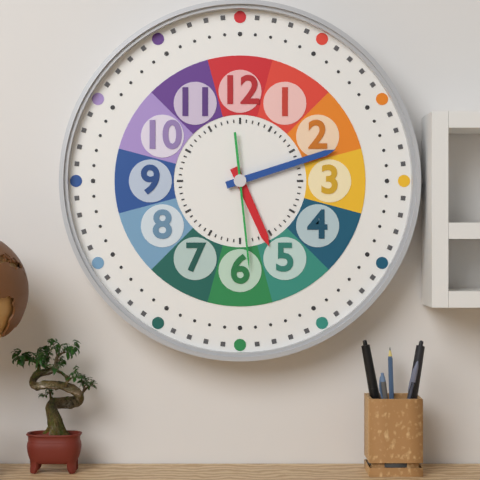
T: 5 h 12 min 29 s
